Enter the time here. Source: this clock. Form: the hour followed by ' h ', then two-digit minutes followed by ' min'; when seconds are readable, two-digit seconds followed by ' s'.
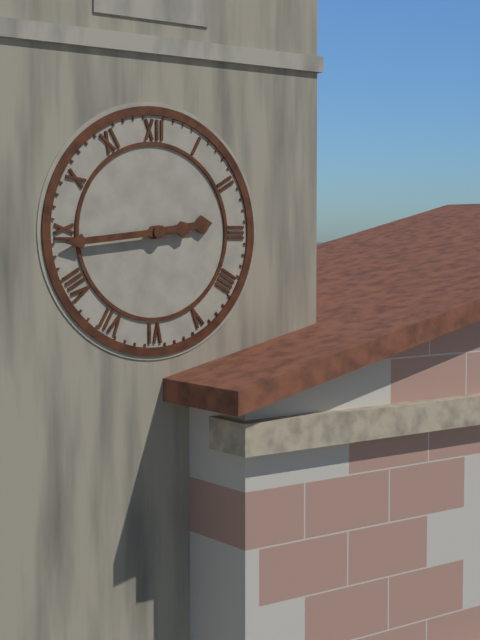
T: 2 h 44 min
